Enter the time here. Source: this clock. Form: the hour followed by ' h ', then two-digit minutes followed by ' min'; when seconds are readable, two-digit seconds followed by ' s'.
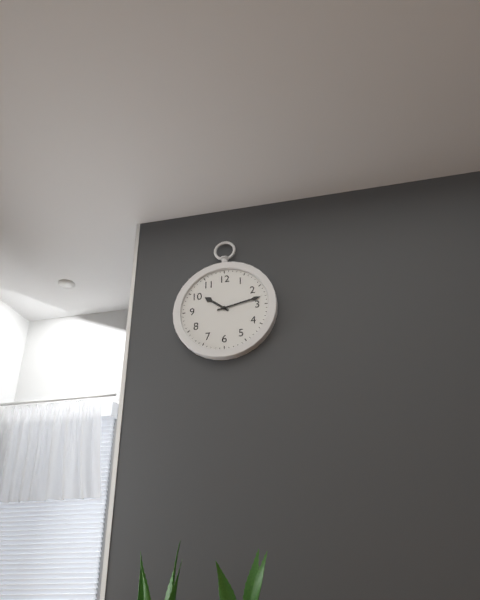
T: 10 h 13 min
